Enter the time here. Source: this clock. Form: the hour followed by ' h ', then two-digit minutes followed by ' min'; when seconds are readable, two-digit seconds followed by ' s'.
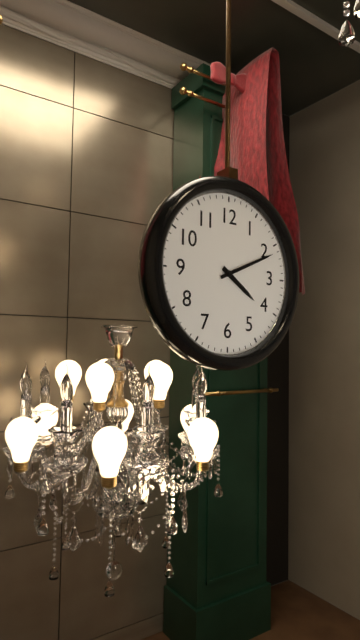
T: 4 h 11 min
